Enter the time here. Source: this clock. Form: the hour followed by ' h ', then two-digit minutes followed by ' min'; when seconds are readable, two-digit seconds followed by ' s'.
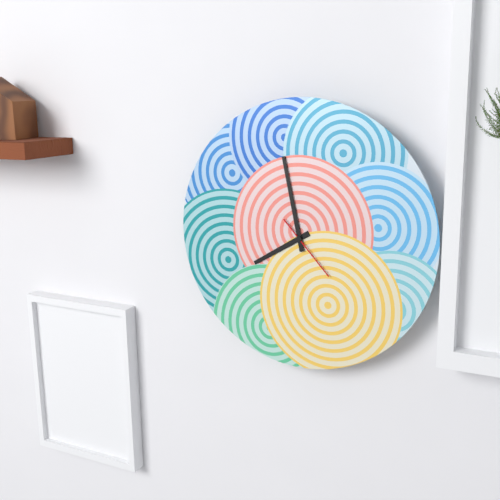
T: 7 h 58 min 23 s
